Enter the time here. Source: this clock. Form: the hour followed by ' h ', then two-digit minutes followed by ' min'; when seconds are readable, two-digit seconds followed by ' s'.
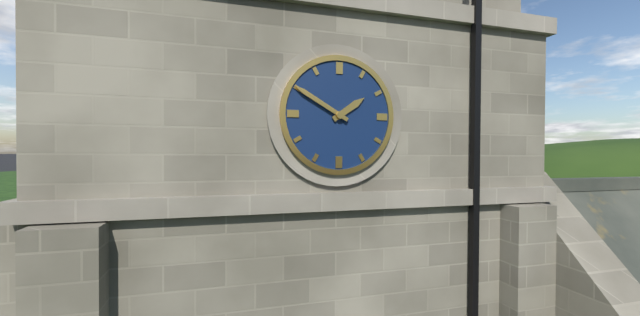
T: 1 h 50 min
